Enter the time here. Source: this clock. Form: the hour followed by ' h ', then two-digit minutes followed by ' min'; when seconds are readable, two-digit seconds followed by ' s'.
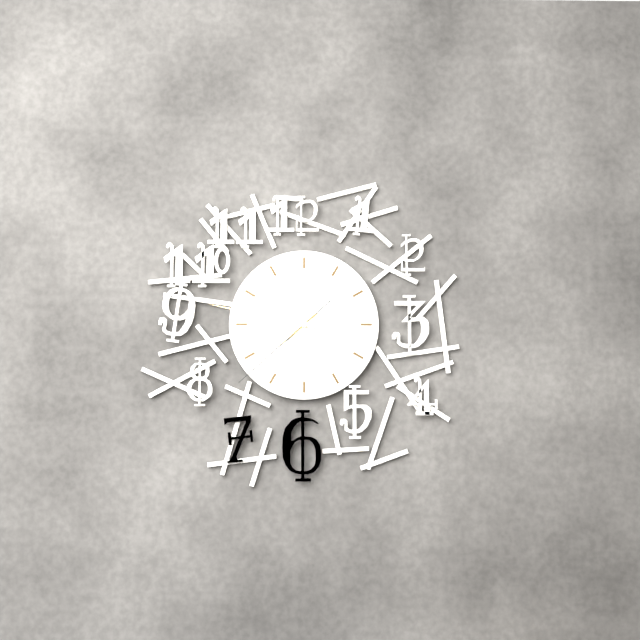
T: 7 h 47 min 38 s
